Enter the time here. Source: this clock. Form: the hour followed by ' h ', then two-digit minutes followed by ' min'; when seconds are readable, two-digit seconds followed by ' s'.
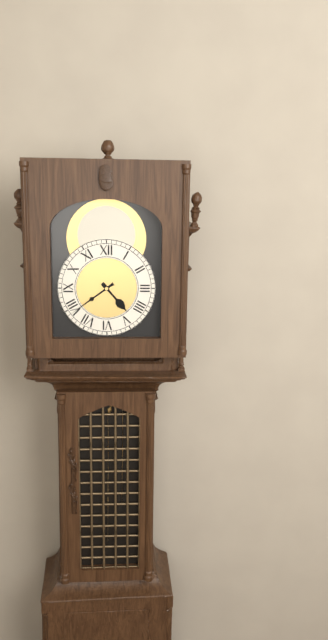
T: 4 h 39 min
